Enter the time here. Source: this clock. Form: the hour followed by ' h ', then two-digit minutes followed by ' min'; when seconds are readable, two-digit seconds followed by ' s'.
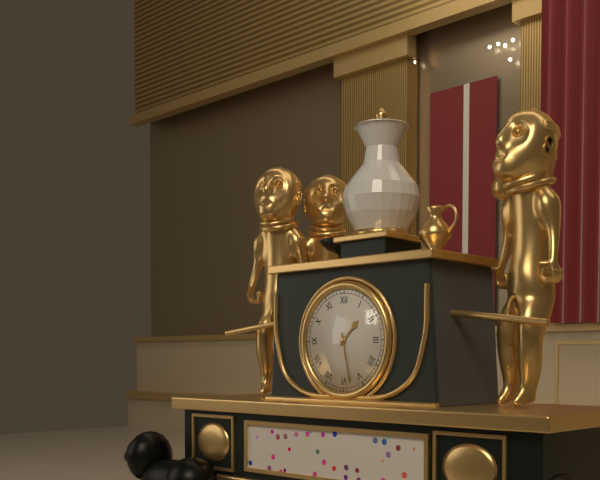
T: 1 h 28 min
